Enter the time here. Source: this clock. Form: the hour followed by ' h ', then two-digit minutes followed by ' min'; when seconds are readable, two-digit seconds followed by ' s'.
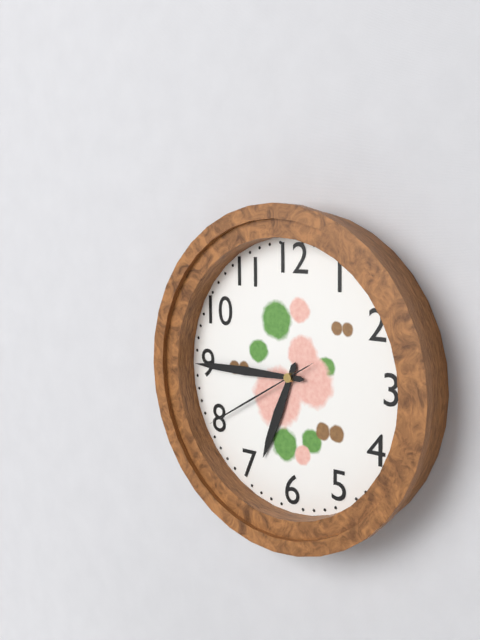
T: 6 h 45 min 40 s
